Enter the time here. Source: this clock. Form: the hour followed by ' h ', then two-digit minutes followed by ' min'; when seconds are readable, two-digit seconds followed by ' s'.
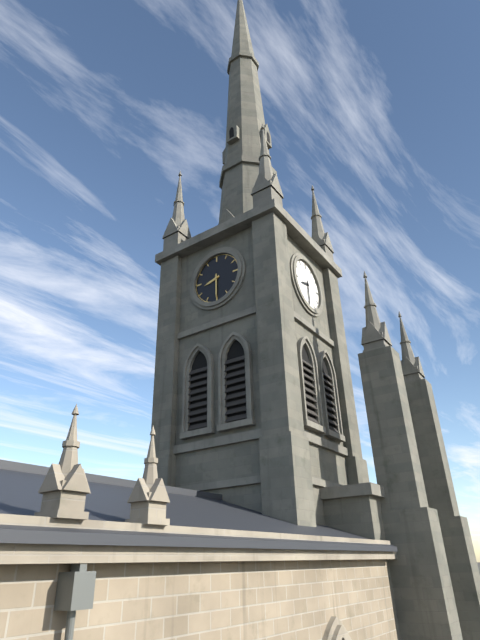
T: 8 h 30 min
